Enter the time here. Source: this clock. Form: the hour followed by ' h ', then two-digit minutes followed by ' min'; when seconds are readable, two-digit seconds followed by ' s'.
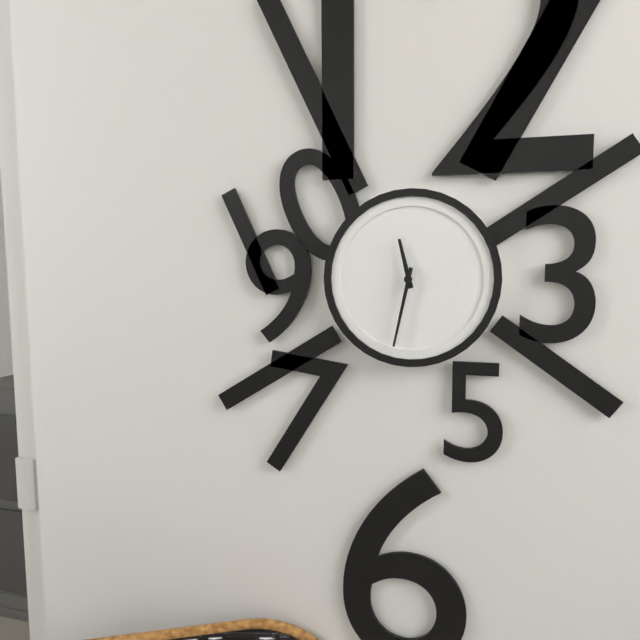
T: 11 h 32 min
